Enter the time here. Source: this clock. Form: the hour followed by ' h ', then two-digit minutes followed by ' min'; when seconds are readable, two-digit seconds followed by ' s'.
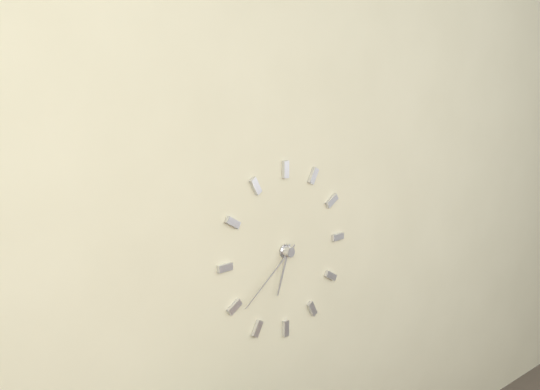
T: 6 h 39 min
